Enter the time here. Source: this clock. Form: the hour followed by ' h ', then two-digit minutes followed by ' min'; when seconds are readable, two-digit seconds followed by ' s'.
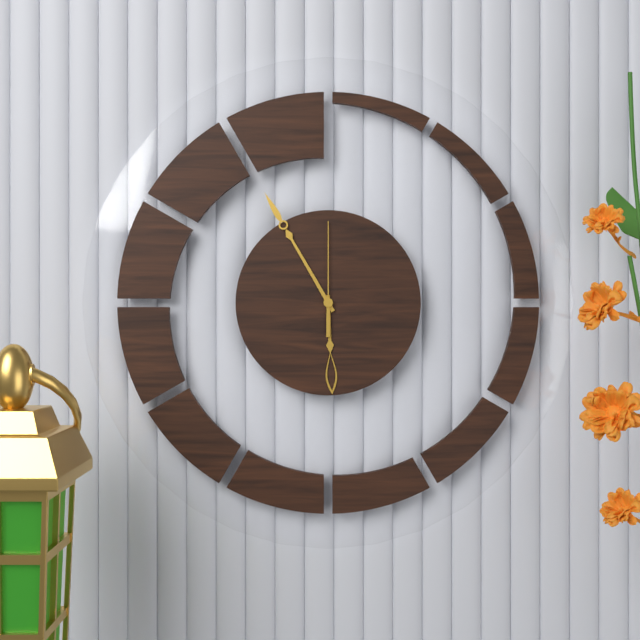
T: 5 h 55 min 00 s
